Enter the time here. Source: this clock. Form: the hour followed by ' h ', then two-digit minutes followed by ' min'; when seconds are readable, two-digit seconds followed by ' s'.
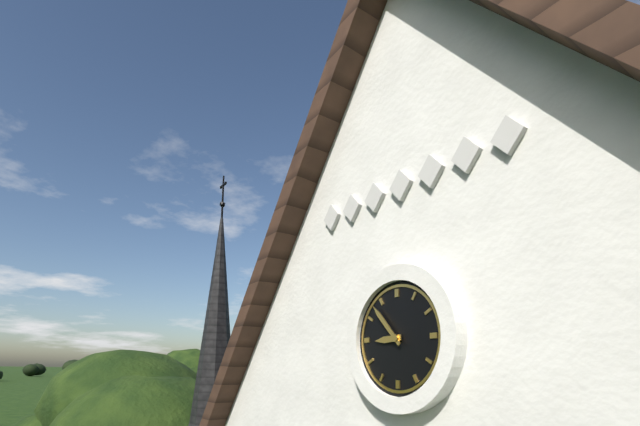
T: 8 h 53 min
